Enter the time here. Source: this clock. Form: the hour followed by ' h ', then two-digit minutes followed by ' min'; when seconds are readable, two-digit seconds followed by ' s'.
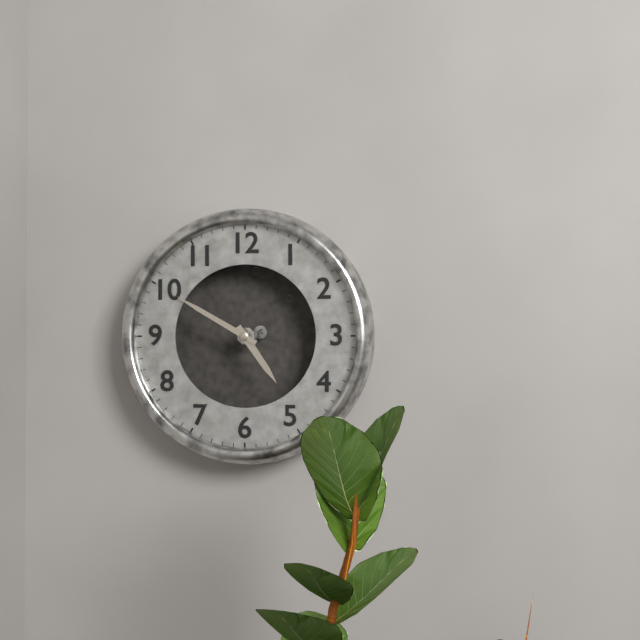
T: 4 h 50 min
